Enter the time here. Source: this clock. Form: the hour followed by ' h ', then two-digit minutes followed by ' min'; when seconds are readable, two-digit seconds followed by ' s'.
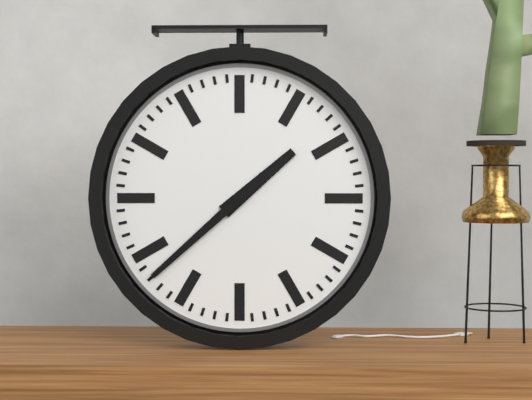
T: 1 h 38 min
